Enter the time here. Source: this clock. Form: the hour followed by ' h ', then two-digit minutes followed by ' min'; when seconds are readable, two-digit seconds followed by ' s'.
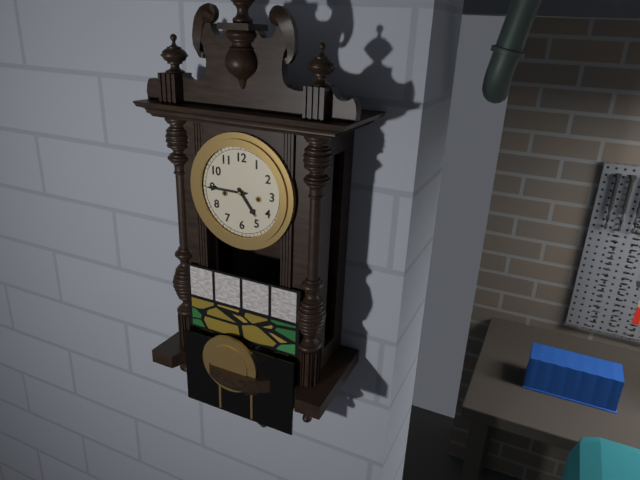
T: 4 h 45 min
